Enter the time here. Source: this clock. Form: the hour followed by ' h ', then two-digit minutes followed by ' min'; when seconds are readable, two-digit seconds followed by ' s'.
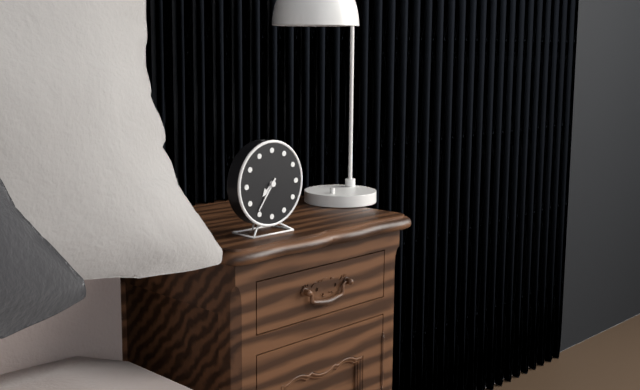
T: 7 h 36 min
